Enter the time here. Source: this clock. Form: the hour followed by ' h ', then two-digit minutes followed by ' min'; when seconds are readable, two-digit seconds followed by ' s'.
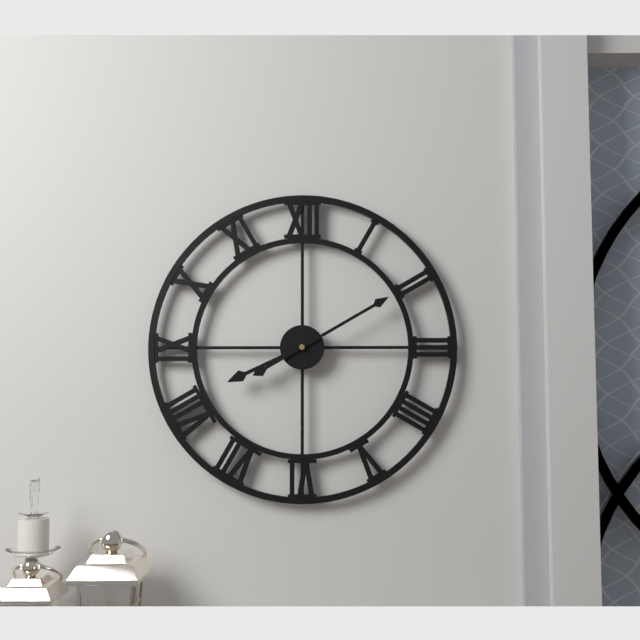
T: 8 h 10 min
